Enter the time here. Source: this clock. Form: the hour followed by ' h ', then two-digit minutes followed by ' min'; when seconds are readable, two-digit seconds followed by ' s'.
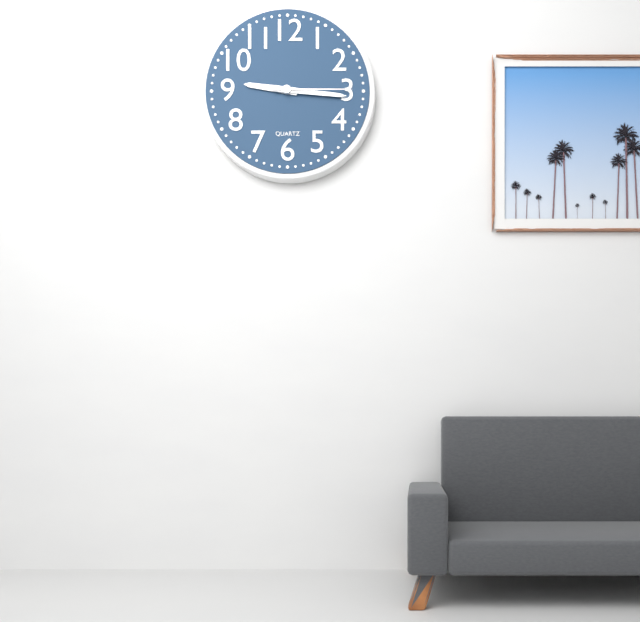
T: 9 h 16 min 15 s
